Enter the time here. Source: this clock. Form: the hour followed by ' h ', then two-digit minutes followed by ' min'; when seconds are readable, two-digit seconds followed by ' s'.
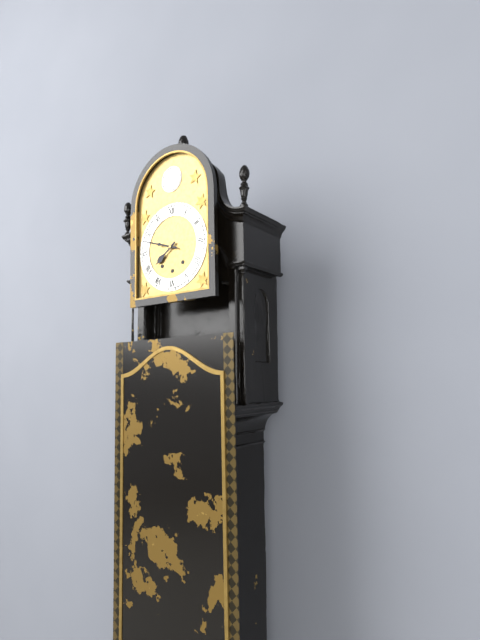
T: 7 h 48 min
